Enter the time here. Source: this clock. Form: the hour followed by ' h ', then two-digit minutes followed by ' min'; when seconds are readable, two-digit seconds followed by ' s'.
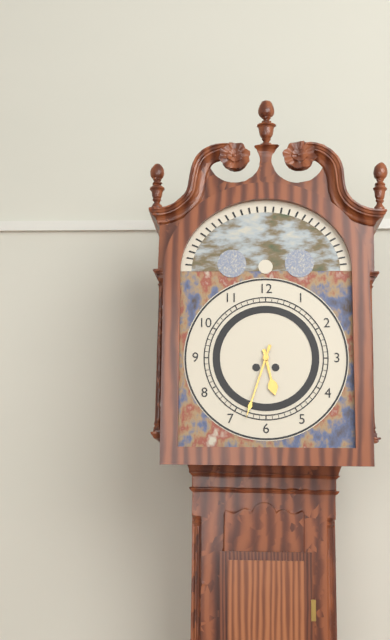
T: 5 h 33 min
